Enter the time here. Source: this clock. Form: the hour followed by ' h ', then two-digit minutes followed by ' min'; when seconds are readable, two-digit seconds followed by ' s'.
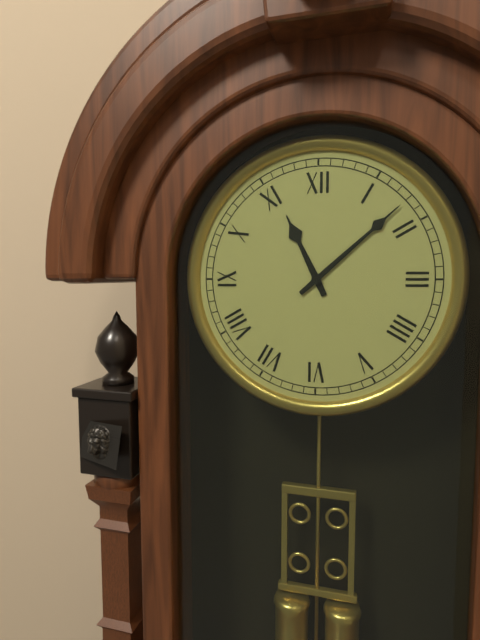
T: 11 h 08 min
